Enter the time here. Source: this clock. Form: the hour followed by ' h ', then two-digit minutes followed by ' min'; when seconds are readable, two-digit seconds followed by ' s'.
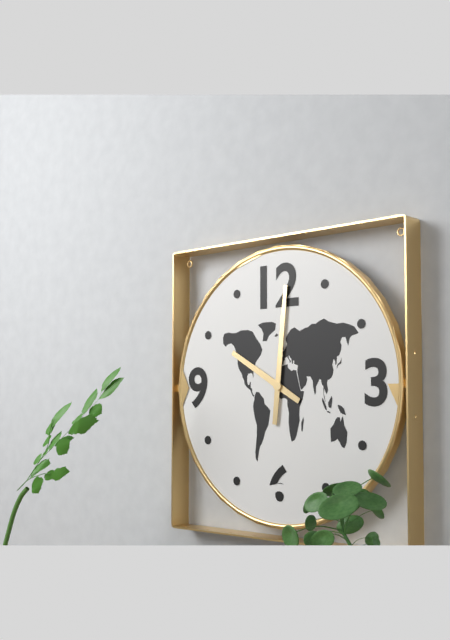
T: 10 h 01 min
